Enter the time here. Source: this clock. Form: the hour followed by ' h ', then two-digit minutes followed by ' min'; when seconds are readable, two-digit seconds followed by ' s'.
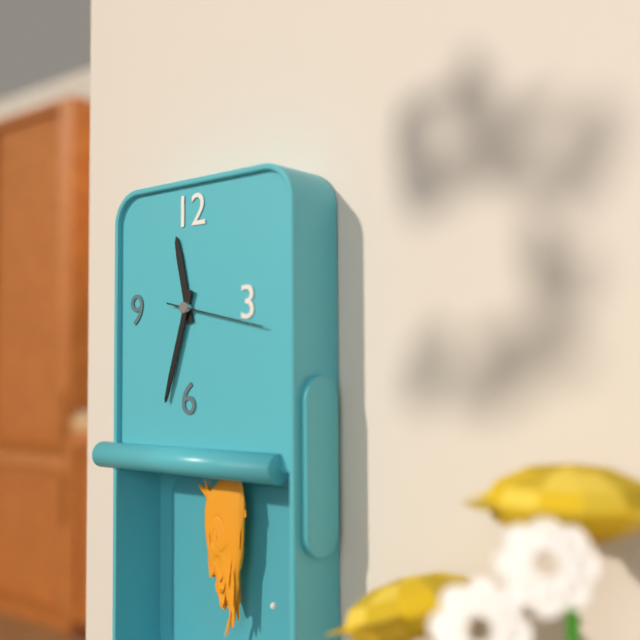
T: 11 h 33 min
